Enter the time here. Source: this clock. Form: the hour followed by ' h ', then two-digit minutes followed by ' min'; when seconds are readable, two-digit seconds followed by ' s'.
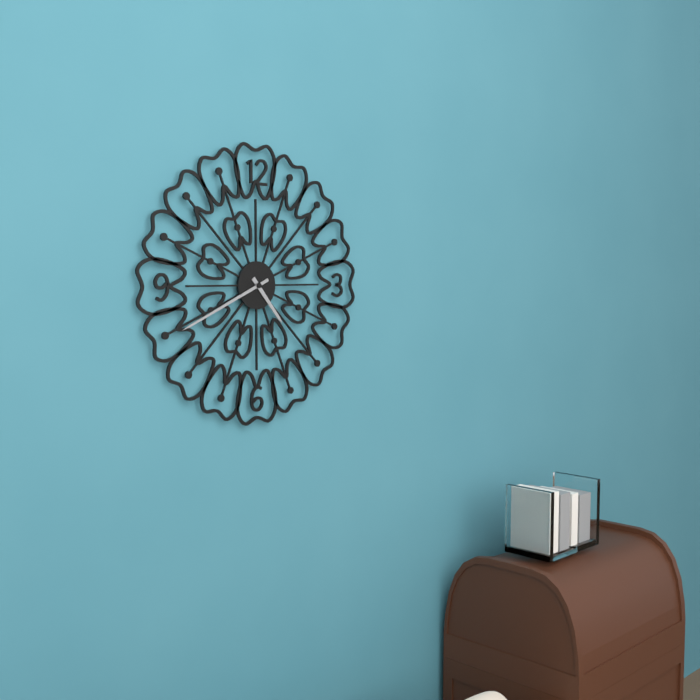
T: 4 h 41 min
